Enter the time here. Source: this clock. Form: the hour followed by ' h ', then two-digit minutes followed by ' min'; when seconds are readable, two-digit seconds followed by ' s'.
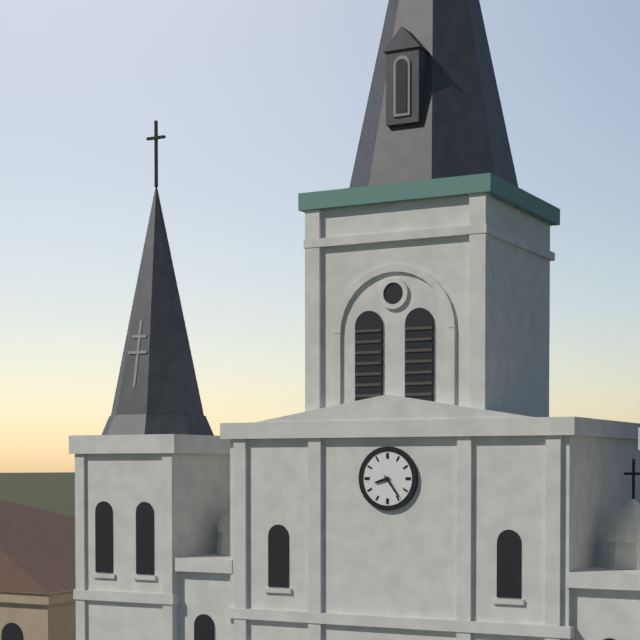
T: 8 h 24 min
